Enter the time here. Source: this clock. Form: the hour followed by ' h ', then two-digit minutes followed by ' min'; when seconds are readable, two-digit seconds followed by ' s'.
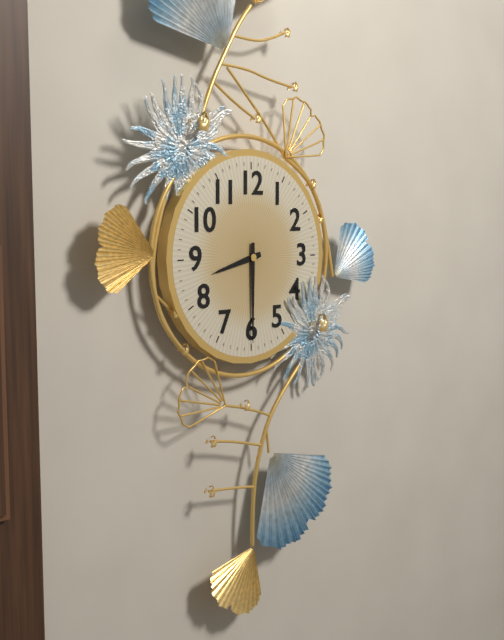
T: 8 h 30 min
